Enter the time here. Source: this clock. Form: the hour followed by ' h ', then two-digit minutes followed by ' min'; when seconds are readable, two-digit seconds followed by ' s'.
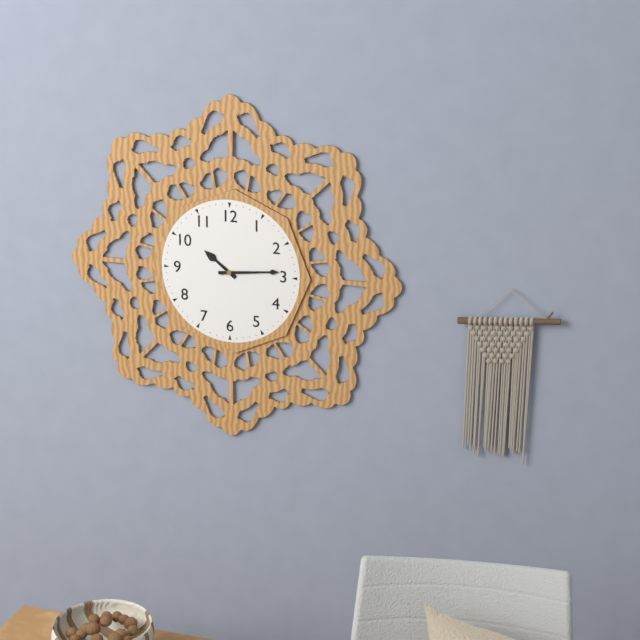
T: 10 h 14 min
